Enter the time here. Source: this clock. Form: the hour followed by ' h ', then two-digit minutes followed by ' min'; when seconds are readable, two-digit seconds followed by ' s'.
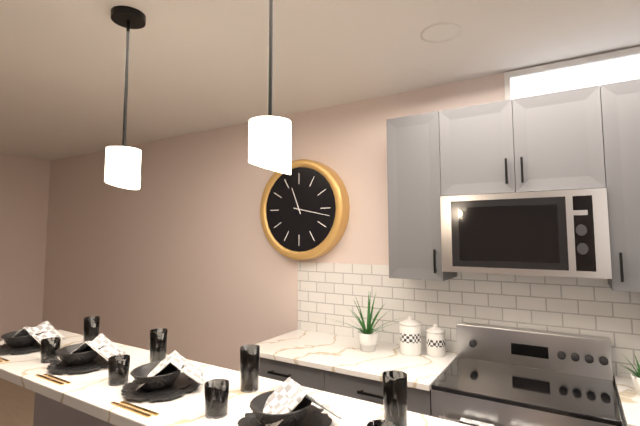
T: 11 h 17 min
